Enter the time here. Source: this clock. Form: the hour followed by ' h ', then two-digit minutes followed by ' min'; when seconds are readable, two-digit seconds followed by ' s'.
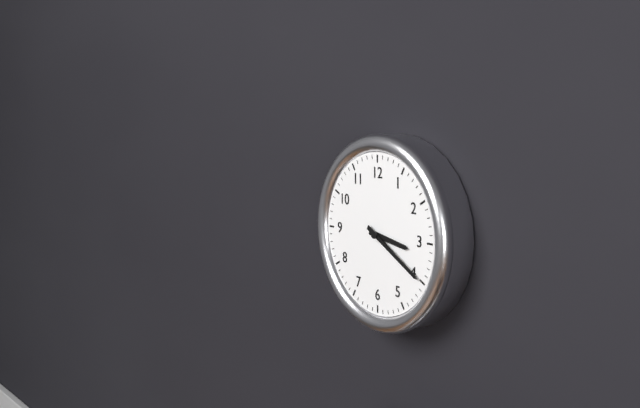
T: 3 h 20 min
